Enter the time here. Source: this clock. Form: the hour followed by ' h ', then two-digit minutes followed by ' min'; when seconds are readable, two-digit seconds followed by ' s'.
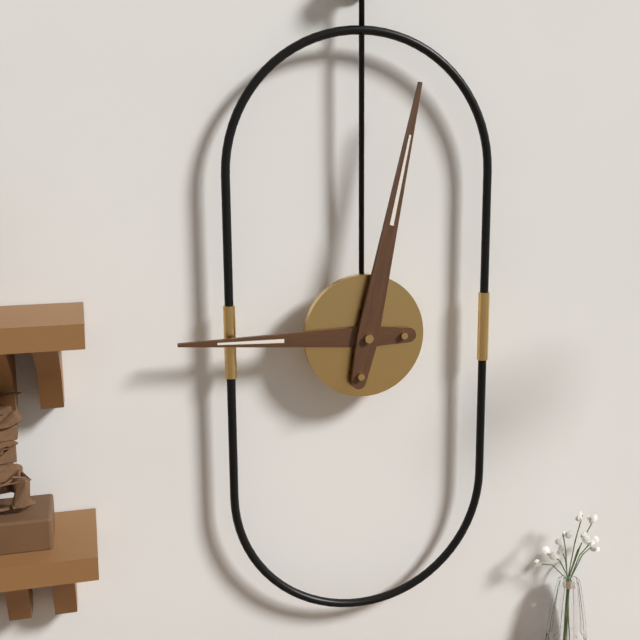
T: 9 h 02 min
